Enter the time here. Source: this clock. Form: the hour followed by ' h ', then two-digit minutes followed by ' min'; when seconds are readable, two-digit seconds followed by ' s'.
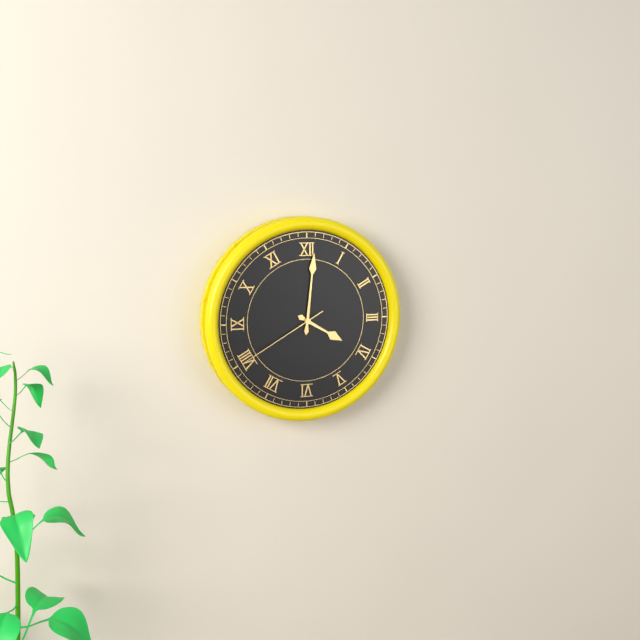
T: 4 h 01 min 40 s
